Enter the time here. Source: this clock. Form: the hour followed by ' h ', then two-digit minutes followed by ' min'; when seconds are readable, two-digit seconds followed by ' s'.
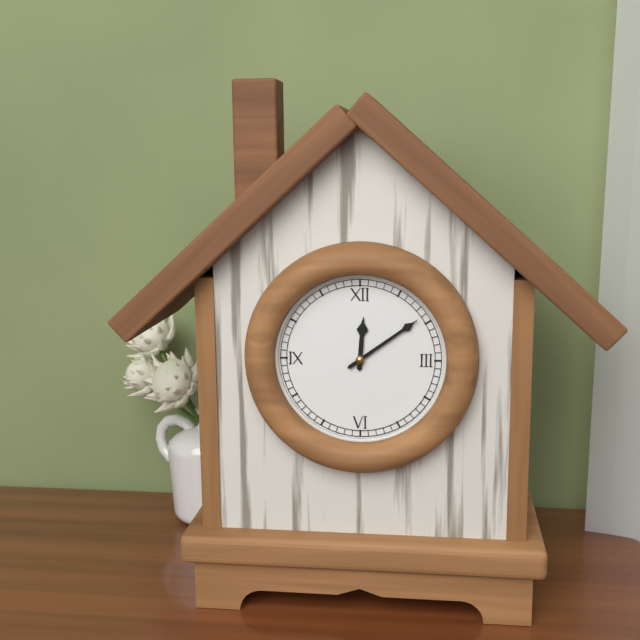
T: 12 h 09 min
